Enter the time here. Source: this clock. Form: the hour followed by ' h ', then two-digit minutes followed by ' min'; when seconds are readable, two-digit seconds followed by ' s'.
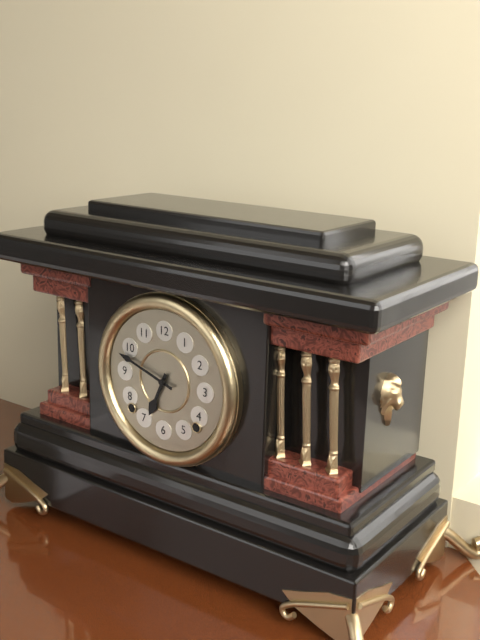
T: 6 h 48 min
